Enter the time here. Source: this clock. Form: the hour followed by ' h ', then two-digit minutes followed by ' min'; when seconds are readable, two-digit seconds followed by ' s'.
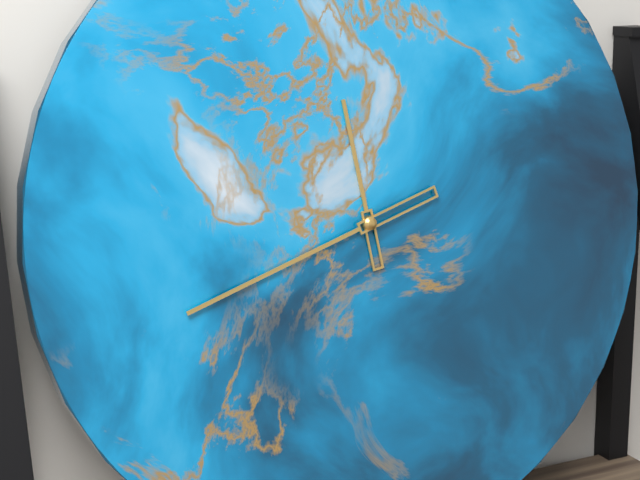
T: 11 h 42 min
